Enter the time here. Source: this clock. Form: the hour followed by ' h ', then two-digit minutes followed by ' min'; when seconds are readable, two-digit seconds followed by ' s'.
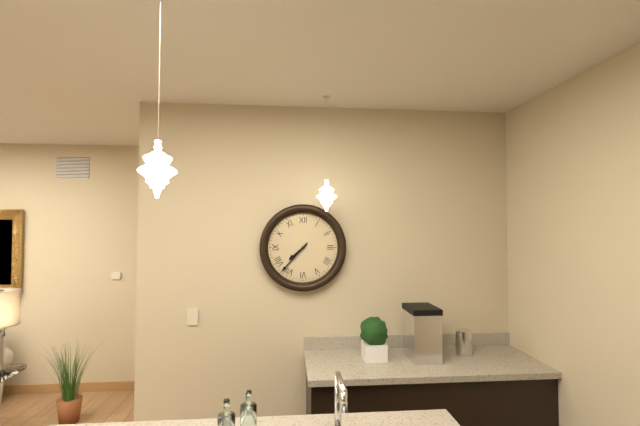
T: 7 h 37 min
